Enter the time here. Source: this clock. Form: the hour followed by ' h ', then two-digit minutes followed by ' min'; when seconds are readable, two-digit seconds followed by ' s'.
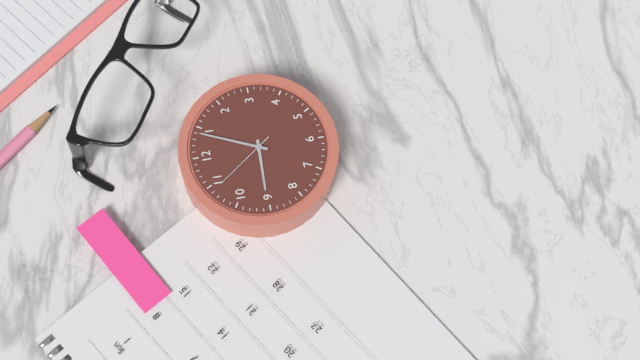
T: 9 h 04 min 54 s
